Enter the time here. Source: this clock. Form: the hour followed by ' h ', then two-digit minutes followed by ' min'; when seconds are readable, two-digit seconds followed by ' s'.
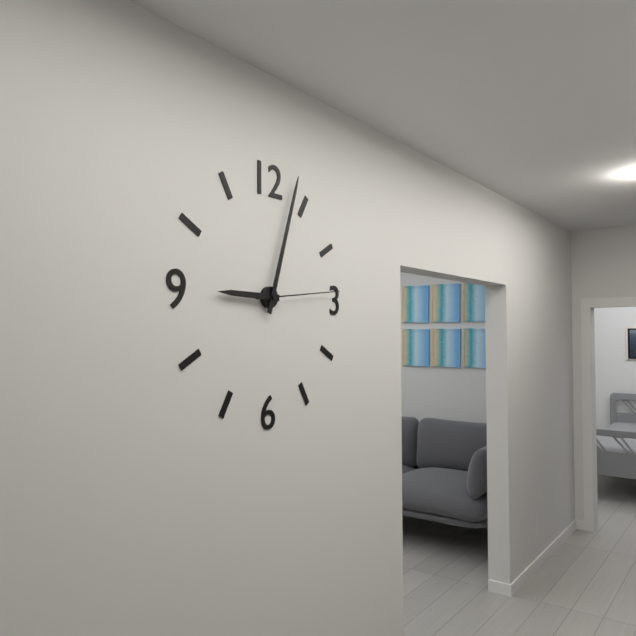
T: 9 h 03 min 14 s
